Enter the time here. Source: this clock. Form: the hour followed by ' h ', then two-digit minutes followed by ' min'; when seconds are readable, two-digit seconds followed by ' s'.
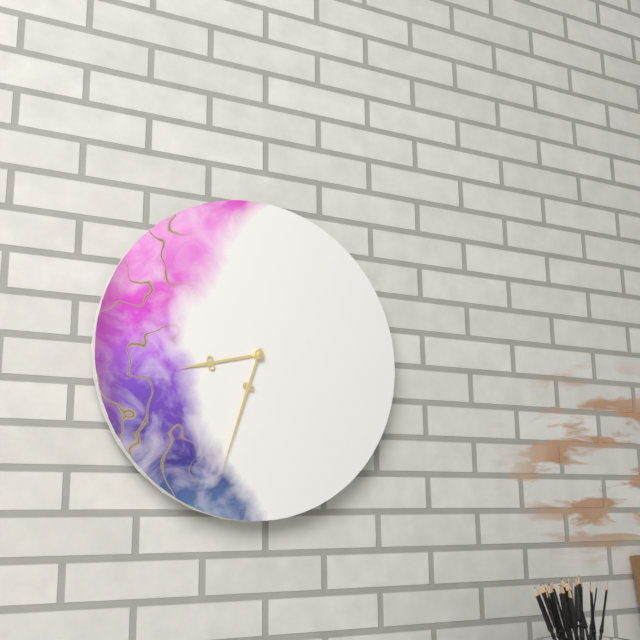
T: 8 h 33 min
